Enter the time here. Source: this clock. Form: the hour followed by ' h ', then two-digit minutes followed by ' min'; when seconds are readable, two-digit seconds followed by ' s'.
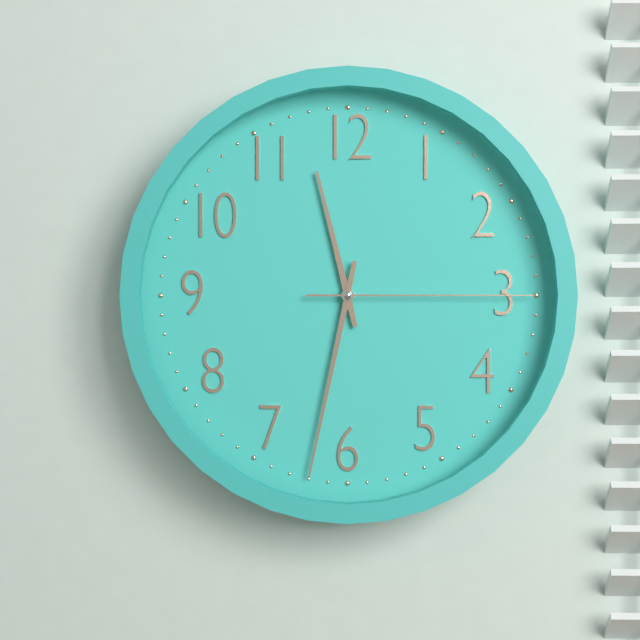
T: 11 h 32 min 15 s
